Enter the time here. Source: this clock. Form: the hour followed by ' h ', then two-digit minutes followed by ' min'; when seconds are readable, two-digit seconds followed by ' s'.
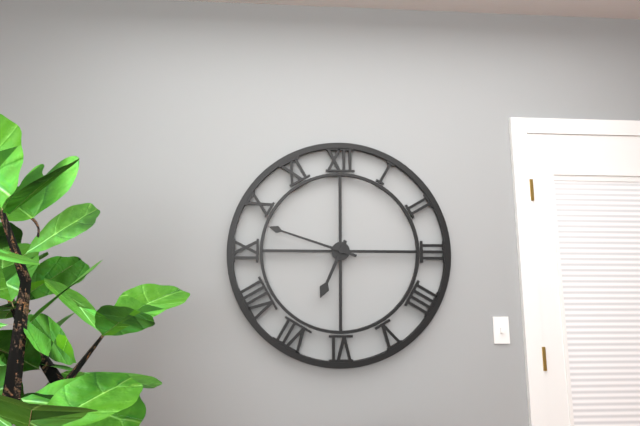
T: 6 h 48 min
